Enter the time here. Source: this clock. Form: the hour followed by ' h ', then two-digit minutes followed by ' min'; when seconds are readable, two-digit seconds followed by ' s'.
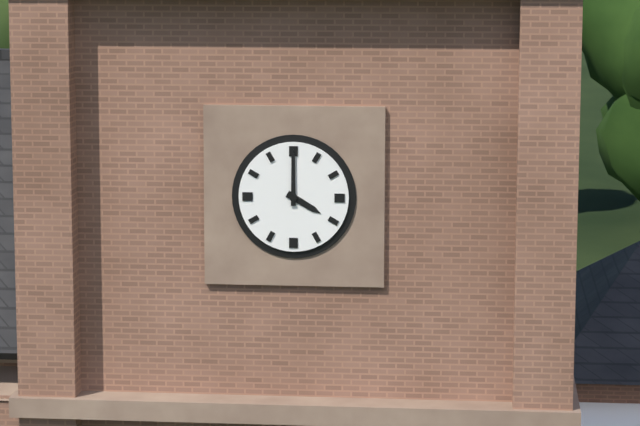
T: 4 h 00 min
